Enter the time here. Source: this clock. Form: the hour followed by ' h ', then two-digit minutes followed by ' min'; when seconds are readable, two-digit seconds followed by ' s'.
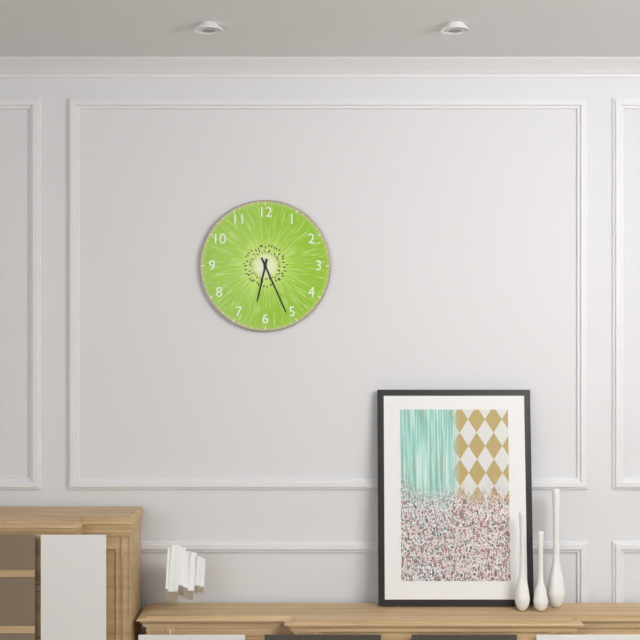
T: 6 h 26 min
